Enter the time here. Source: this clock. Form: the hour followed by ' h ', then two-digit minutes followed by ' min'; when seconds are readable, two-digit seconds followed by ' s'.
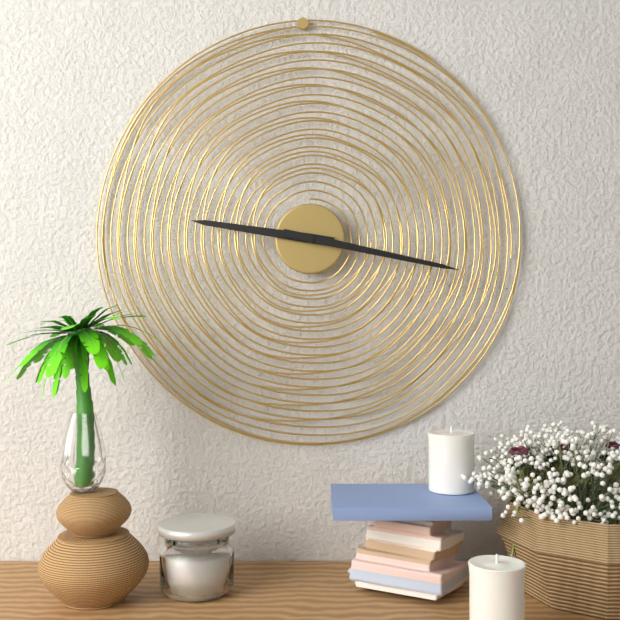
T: 9 h 17 min
